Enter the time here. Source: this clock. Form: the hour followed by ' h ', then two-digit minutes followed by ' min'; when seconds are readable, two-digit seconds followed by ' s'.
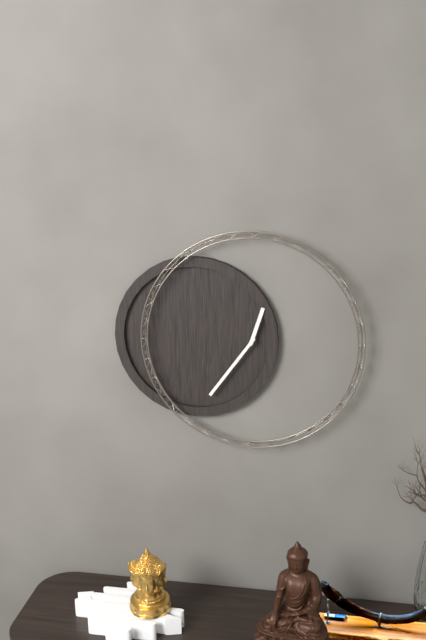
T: 12 h 36 min
